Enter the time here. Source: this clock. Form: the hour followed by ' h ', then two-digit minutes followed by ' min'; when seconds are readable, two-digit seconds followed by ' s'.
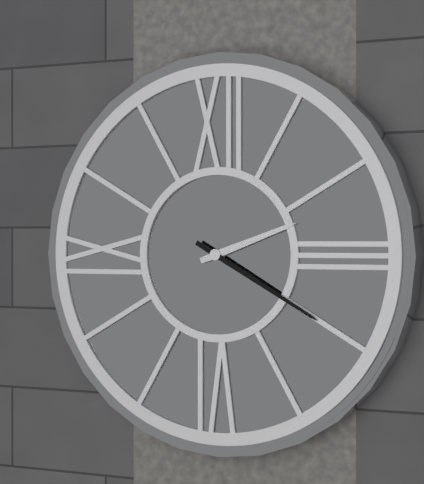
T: 2 h 20 min
